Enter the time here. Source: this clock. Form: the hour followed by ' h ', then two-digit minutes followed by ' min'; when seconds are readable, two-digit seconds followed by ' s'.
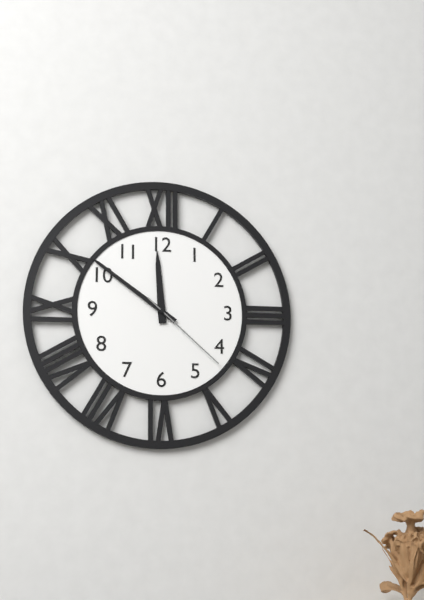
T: 11 h 51 min 22 s
